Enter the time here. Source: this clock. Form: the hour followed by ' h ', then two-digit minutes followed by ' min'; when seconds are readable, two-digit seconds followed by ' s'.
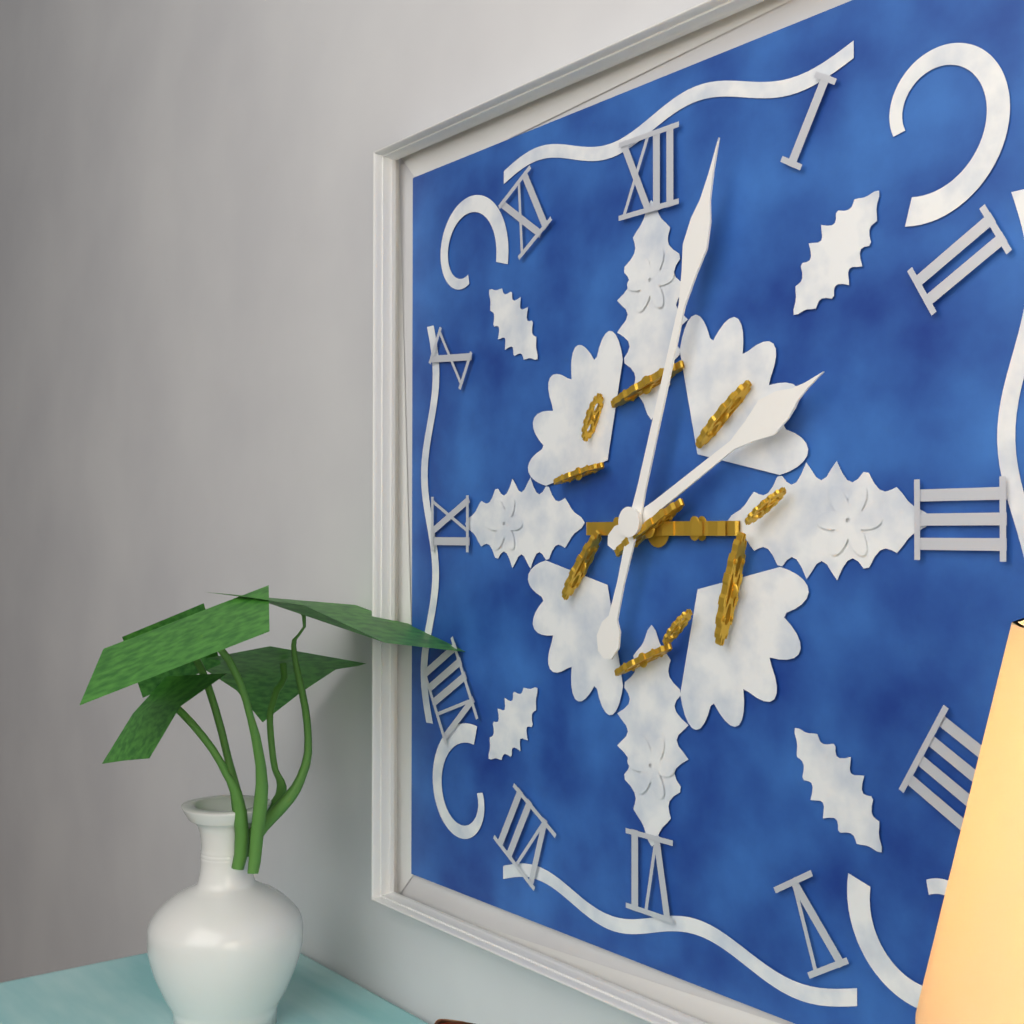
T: 2 h 03 min
